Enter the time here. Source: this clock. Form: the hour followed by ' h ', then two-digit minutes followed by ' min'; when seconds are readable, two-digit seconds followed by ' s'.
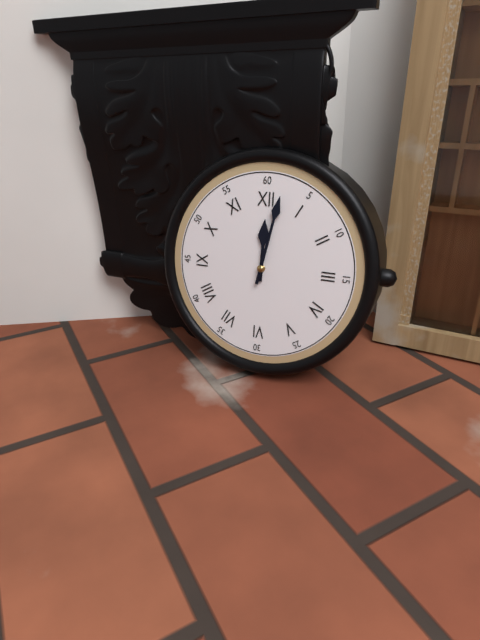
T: 12 h 02 min
